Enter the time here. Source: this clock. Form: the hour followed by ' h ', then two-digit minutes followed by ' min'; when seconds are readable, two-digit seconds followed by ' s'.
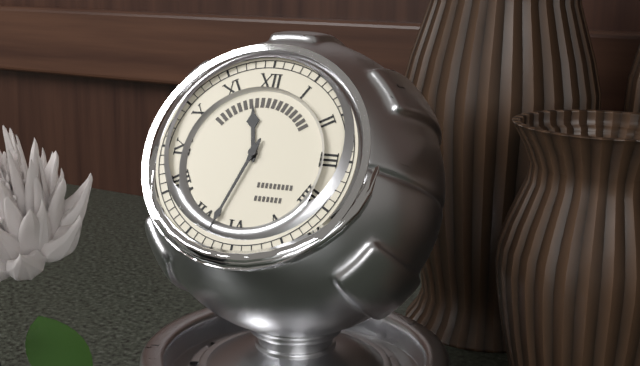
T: 11 h 33 min
